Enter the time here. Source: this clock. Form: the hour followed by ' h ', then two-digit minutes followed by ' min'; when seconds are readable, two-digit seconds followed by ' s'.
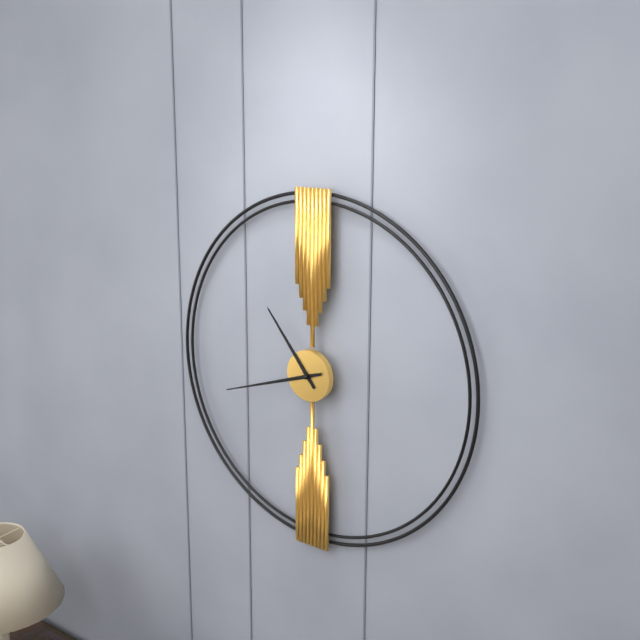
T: 10 h 42 min
